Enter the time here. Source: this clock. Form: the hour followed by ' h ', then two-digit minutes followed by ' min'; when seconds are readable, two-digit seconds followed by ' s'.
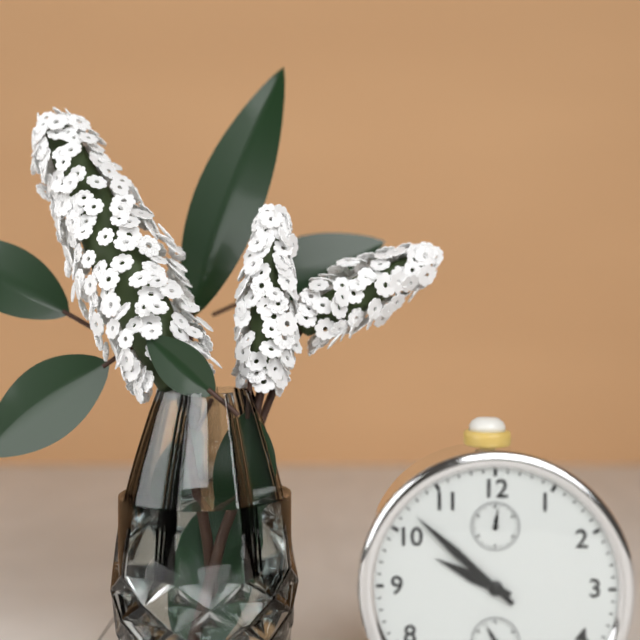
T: 9 h 52 min
